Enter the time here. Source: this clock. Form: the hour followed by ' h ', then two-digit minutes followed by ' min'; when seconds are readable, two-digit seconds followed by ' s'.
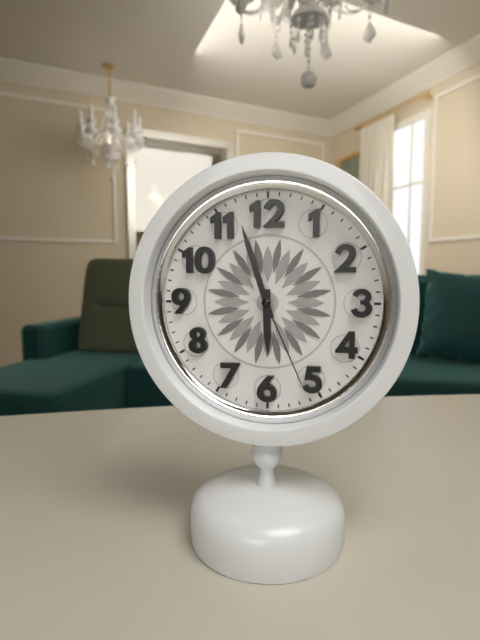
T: 5 h 57 min 26 s
